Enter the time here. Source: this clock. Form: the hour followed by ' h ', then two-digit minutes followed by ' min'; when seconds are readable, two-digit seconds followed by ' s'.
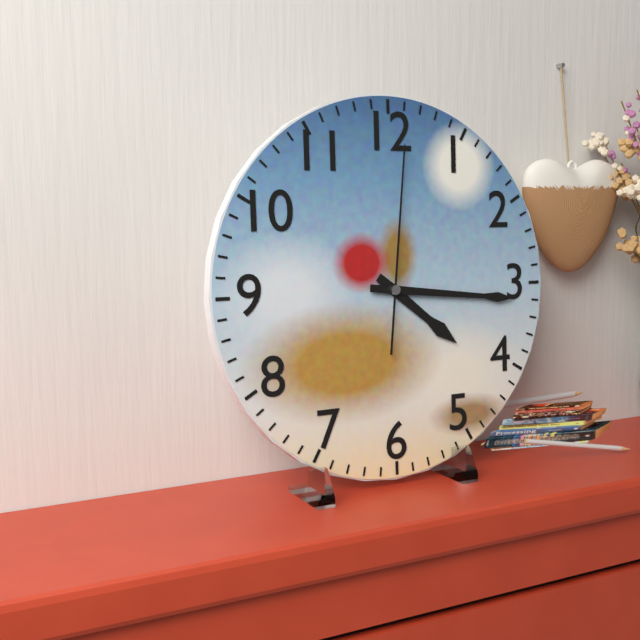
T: 4 h 16 min 01 s
